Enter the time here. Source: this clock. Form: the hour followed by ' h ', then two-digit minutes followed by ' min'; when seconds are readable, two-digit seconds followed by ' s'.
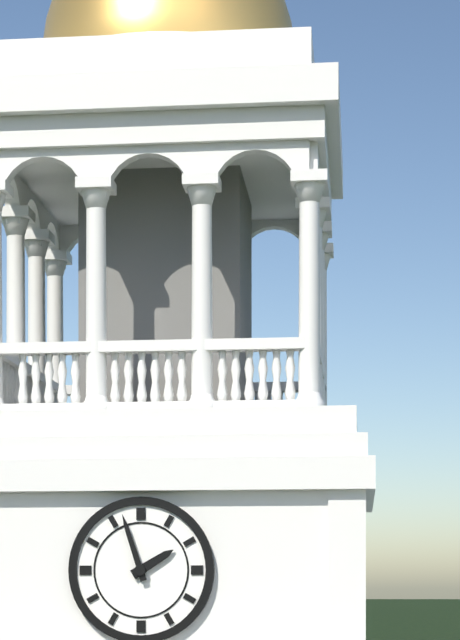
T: 1 h 57 min
